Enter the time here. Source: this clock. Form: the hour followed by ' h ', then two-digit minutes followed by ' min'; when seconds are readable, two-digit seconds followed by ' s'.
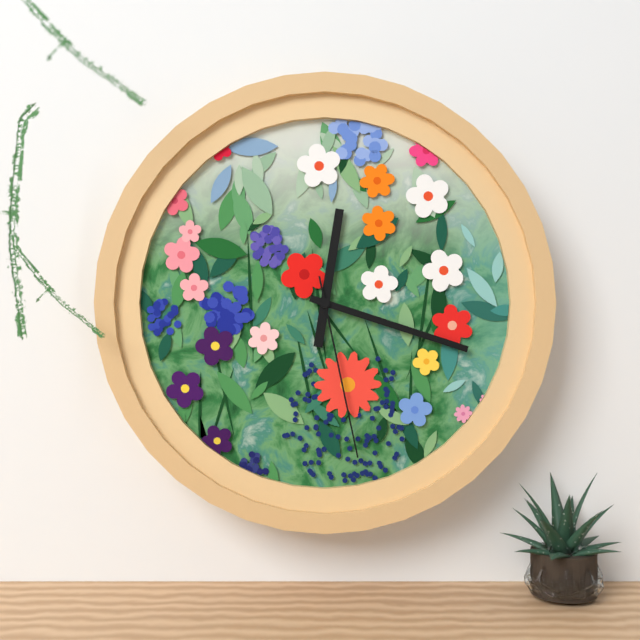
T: 12 h 18 min 28 s
